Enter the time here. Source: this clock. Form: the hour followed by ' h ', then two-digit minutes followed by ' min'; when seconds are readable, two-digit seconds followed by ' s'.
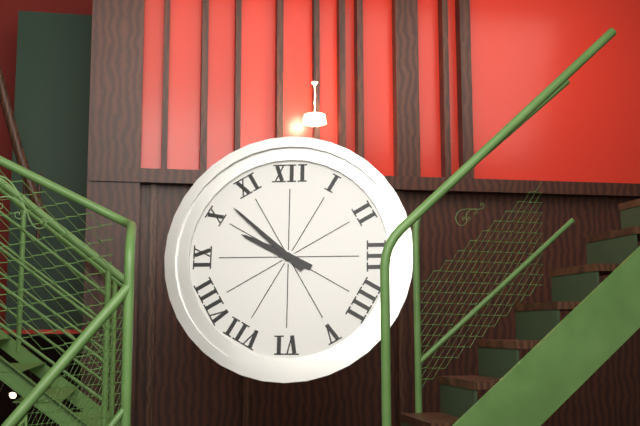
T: 9 h 52 min
